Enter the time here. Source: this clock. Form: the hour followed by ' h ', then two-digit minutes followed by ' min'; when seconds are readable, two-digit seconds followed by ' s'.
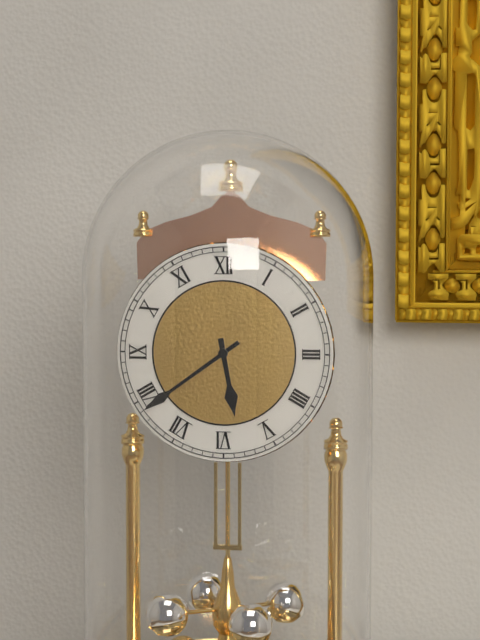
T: 5 h 39 min
